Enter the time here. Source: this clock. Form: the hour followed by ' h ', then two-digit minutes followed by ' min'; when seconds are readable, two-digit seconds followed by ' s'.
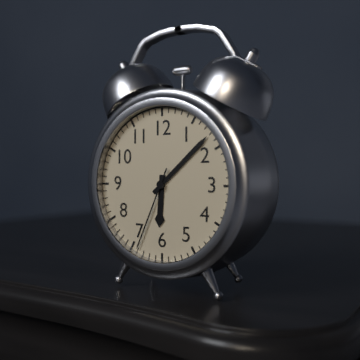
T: 6 h 08 min 34 s
